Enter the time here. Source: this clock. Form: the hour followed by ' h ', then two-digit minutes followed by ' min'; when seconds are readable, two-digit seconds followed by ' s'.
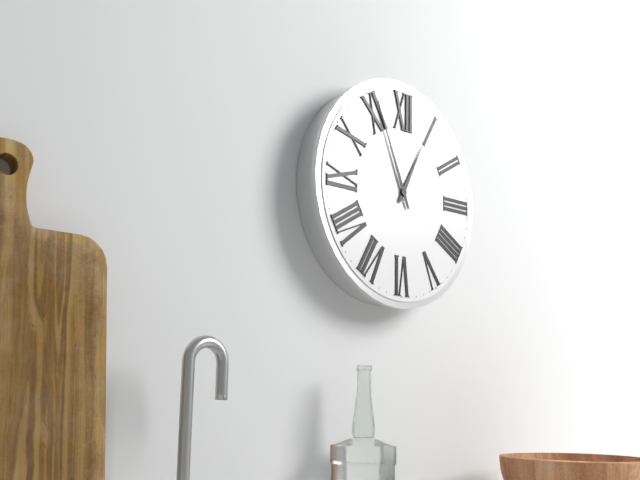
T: 12 h 56 min
